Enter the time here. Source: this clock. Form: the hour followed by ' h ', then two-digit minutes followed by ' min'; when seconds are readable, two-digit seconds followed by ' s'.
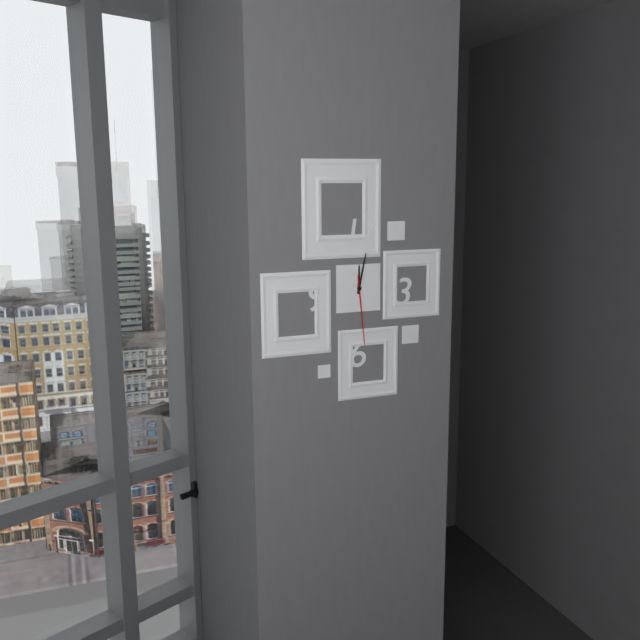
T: 12 h 02 min 29 s
